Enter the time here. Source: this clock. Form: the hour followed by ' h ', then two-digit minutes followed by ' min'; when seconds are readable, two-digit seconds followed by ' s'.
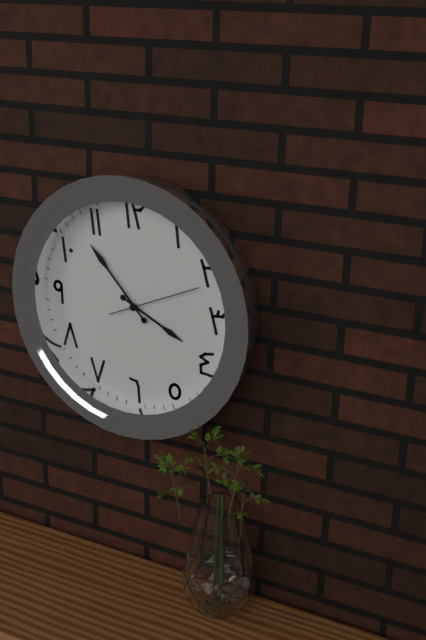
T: 3 h 53 min 11 s
